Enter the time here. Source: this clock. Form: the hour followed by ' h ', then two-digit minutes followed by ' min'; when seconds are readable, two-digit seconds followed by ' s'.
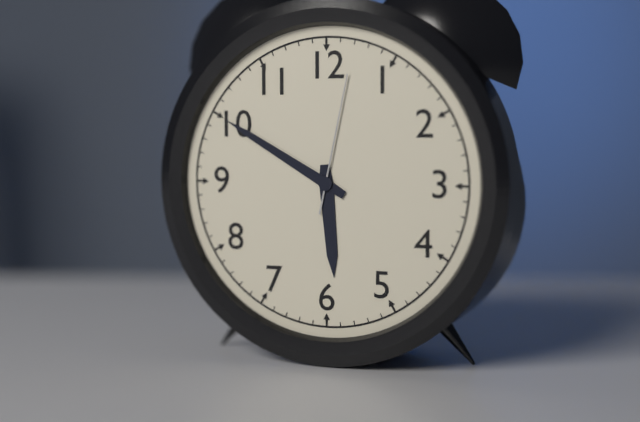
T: 5 h 50 min 02 s
